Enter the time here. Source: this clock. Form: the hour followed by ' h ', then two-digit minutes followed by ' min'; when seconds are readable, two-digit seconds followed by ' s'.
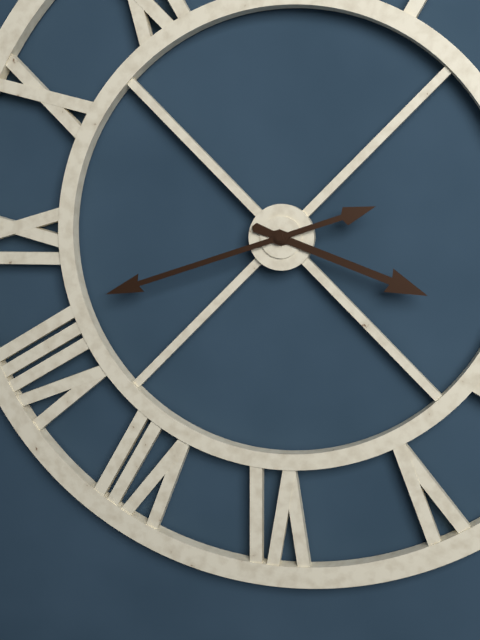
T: 3 h 42 min
